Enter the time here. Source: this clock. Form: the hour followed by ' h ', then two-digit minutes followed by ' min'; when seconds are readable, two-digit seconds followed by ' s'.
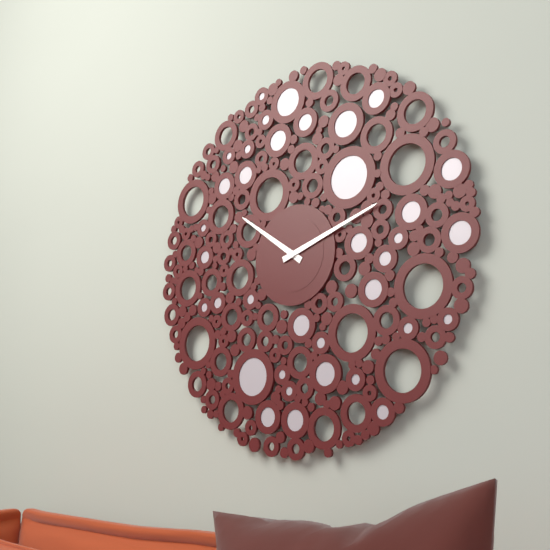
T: 10 h 12 min
